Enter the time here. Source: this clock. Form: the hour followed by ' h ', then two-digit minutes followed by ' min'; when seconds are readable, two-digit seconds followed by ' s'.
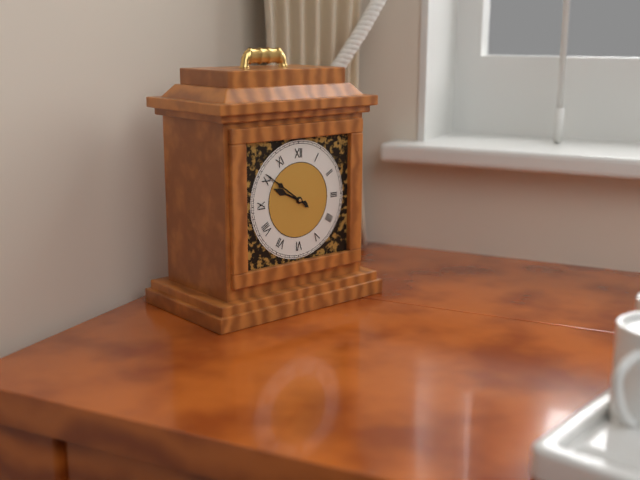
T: 9 h 51 min
